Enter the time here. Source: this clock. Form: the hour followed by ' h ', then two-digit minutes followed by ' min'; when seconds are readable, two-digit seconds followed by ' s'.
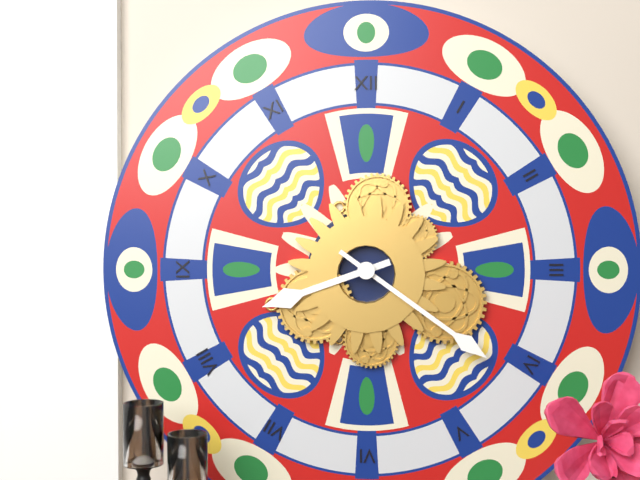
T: 8 h 21 min
